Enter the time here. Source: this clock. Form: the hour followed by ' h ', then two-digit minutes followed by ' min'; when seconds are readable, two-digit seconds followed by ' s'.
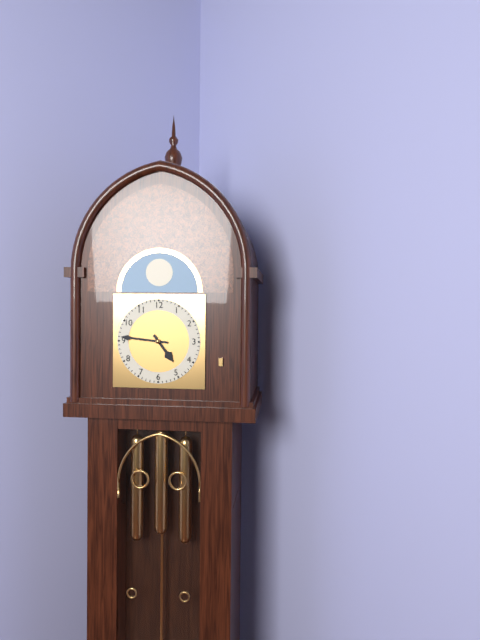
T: 4 h 46 min
